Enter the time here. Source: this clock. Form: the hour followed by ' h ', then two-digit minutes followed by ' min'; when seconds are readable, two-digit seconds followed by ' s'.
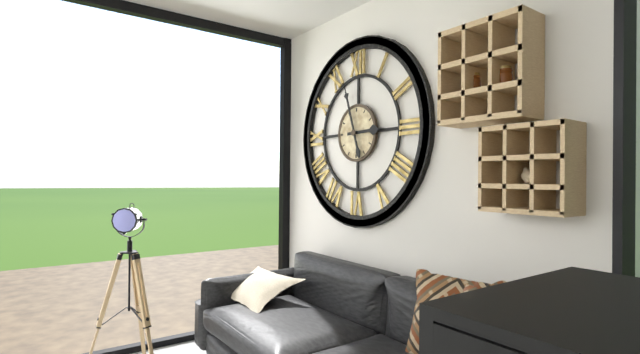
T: 2 h 57 min
